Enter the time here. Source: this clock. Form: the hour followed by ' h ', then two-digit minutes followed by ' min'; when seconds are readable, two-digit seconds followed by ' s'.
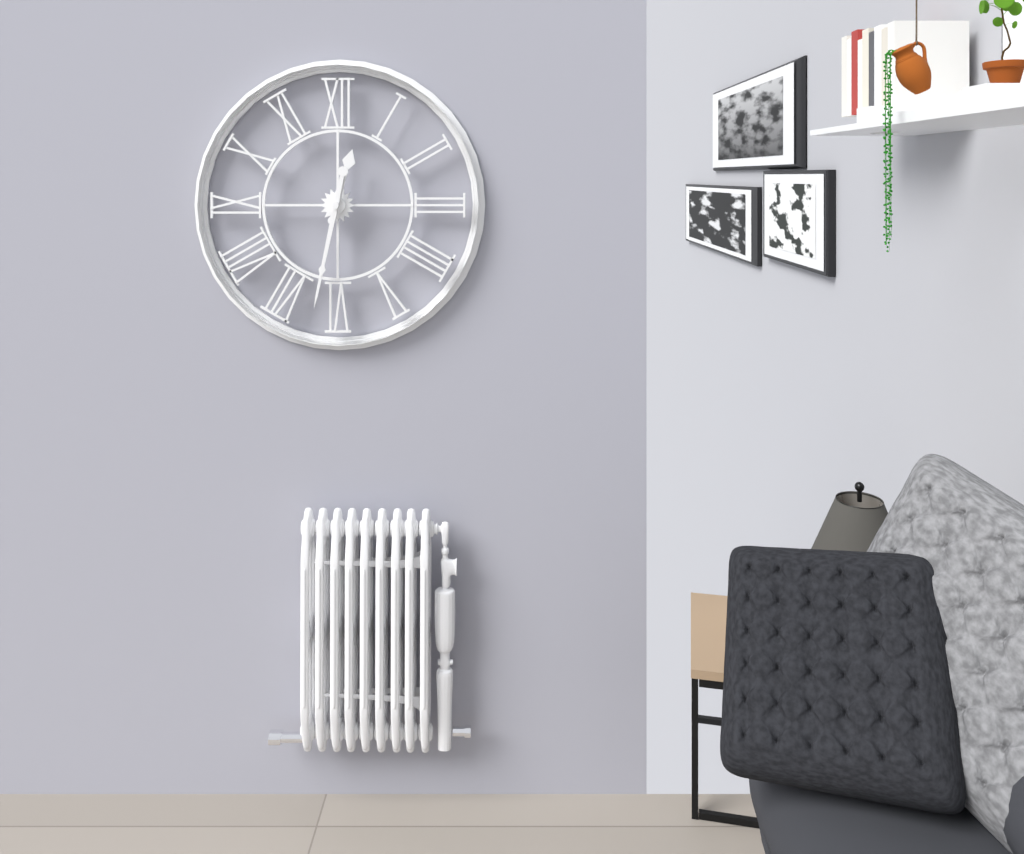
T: 12 h 32 min
